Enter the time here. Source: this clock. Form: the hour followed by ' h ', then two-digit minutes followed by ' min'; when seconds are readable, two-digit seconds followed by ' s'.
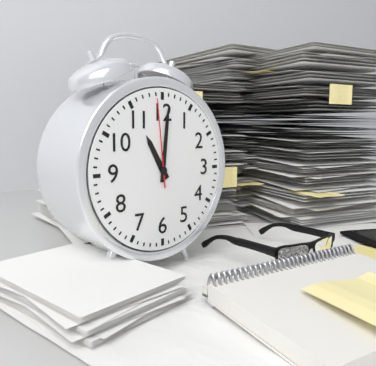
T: 11 h 01 min 59 s
